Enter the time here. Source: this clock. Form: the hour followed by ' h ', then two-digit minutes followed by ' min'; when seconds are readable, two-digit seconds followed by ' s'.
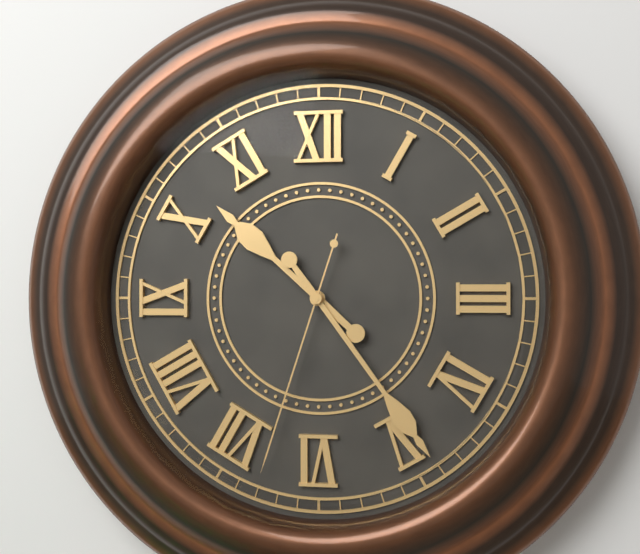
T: 10 h 24 min 33 s
